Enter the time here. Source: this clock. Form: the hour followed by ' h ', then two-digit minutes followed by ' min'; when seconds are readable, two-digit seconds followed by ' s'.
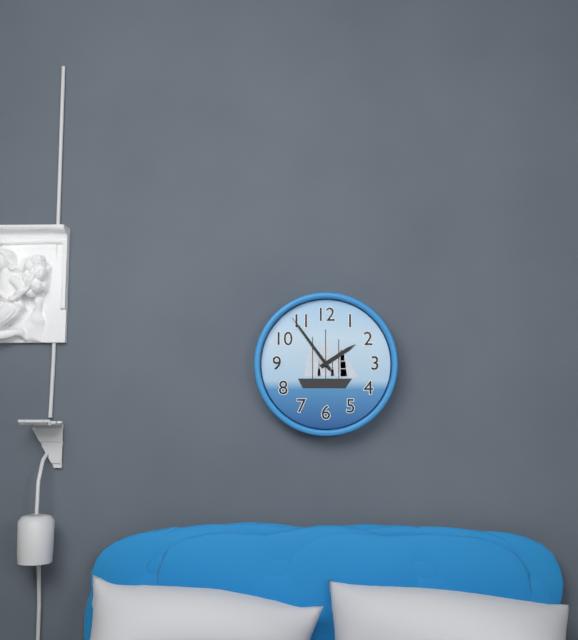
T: 1 h 54 min 54 s
